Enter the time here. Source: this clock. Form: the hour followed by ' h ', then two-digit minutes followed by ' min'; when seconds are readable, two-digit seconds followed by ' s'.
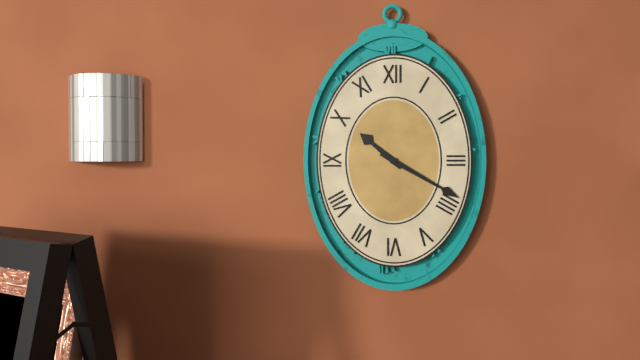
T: 10 h 20 min
